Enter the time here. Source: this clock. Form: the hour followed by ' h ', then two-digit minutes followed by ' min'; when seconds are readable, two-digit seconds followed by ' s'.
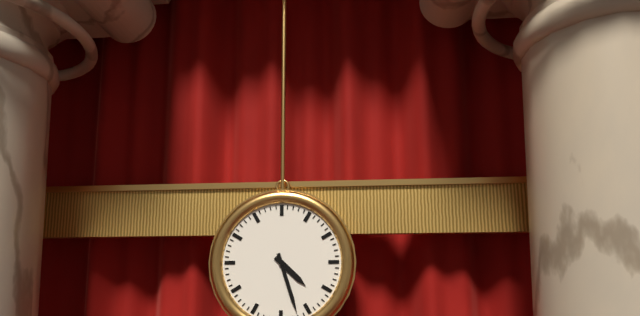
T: 4 h 27 min
